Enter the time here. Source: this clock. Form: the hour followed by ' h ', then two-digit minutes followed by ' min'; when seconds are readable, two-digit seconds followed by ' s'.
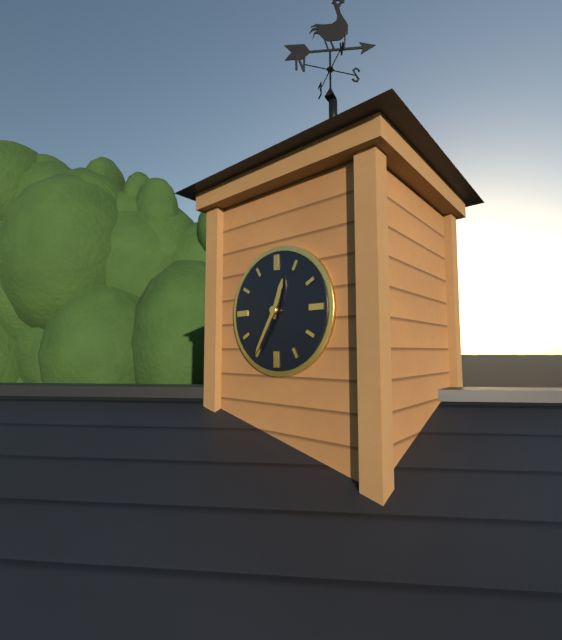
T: 12 h 35 min
